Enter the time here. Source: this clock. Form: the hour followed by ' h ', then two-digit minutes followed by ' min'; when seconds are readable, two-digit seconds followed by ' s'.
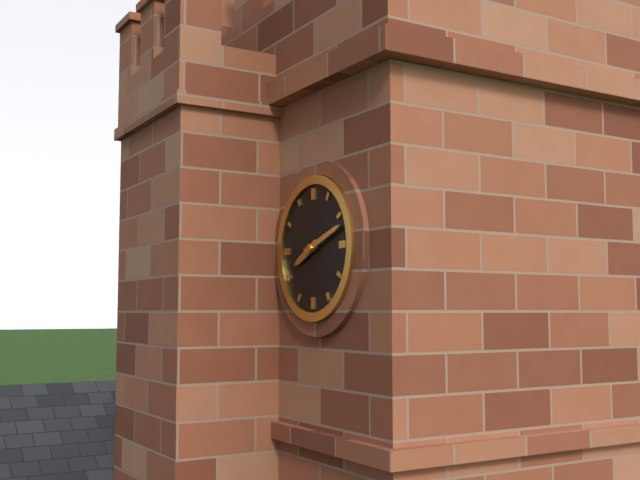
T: 8 h 12 min
